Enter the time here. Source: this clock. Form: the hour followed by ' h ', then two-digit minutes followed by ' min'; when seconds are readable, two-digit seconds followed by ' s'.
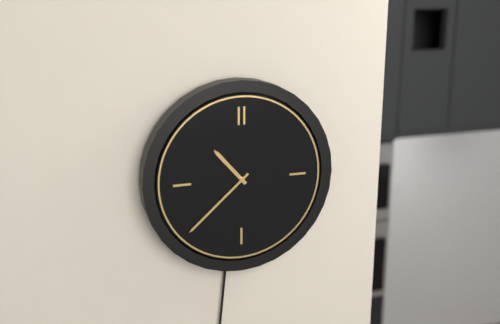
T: 10 h 38 min
